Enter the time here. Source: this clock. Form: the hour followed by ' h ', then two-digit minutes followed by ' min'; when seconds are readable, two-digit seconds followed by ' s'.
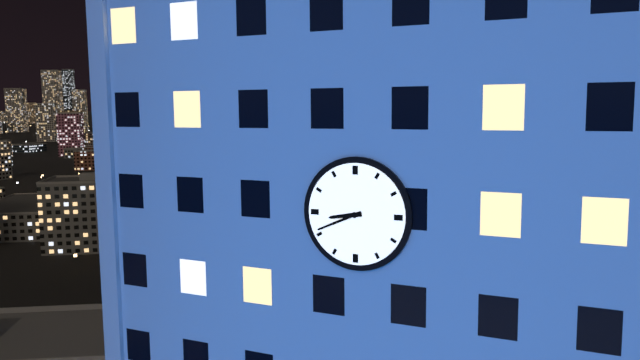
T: 8 h 41 min
